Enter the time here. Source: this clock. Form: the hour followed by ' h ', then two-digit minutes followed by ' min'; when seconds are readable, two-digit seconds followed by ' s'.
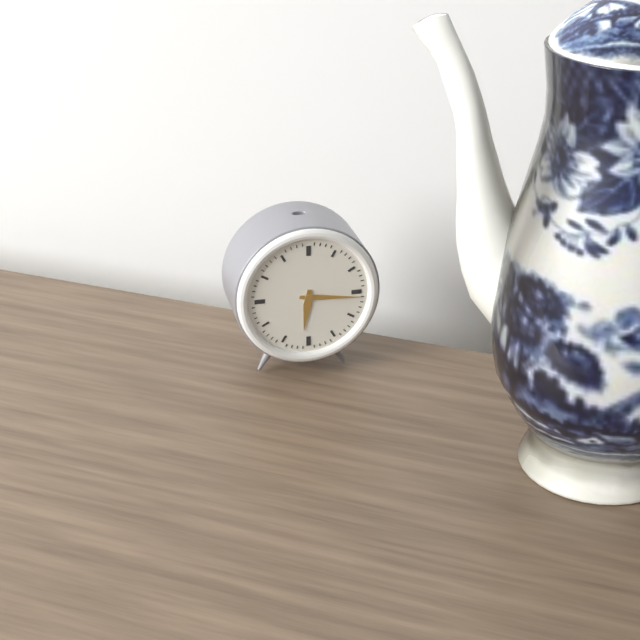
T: 6 h 16 min
